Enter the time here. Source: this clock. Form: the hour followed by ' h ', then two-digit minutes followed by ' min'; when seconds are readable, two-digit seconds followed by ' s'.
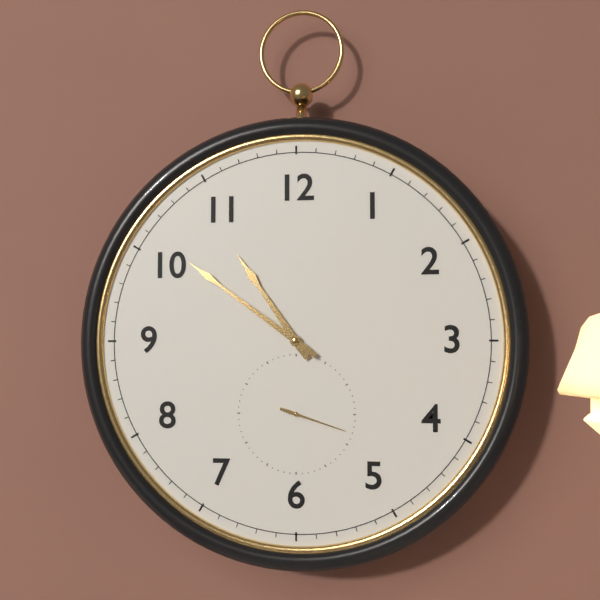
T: 10 h 51 min 18 s
